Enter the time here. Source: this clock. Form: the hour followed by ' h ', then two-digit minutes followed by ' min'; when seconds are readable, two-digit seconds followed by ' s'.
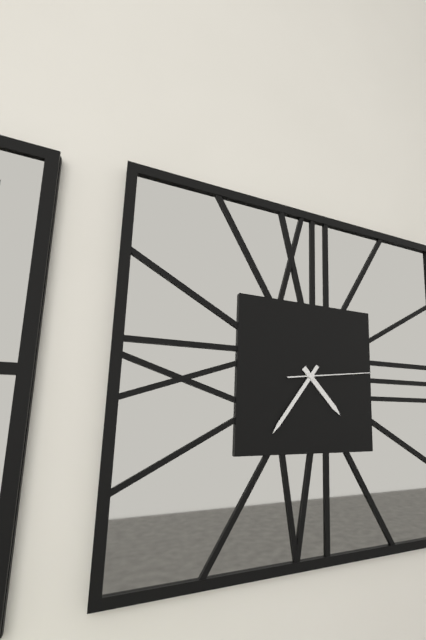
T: 4 h 36 min 14 s
